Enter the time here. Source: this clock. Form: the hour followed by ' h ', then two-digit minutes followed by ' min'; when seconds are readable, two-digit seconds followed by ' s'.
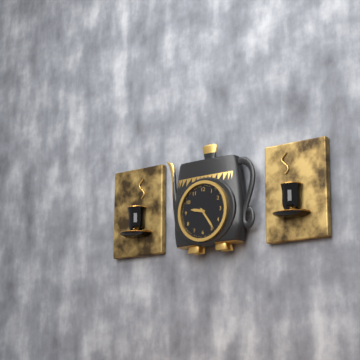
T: 9 h 24 min
